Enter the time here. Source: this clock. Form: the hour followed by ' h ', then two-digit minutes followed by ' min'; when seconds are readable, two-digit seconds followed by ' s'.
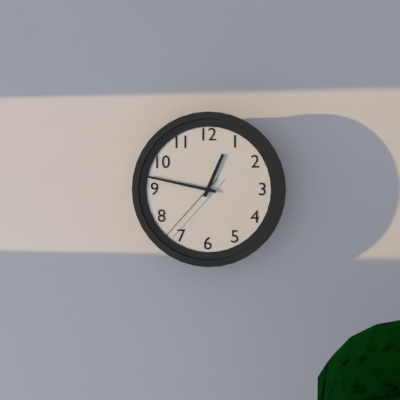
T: 12 h 47 min 37 s
